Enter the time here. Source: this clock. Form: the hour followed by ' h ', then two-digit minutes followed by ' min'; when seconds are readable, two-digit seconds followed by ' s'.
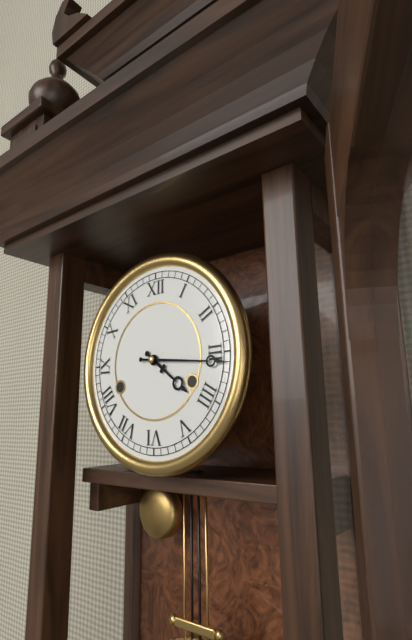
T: 4 h 16 min
